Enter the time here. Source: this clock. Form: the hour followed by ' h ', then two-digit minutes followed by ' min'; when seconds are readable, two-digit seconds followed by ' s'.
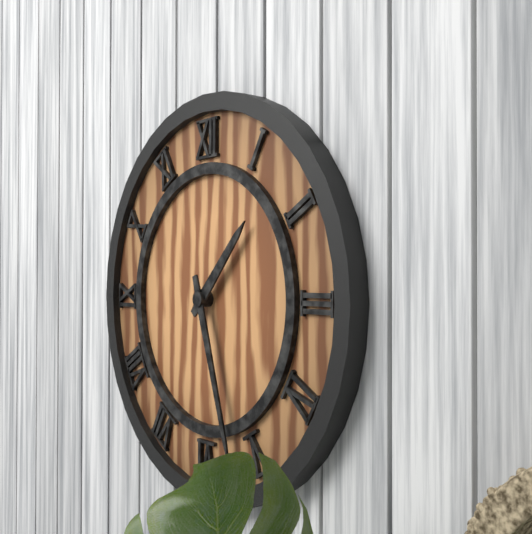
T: 1 h 27 min
